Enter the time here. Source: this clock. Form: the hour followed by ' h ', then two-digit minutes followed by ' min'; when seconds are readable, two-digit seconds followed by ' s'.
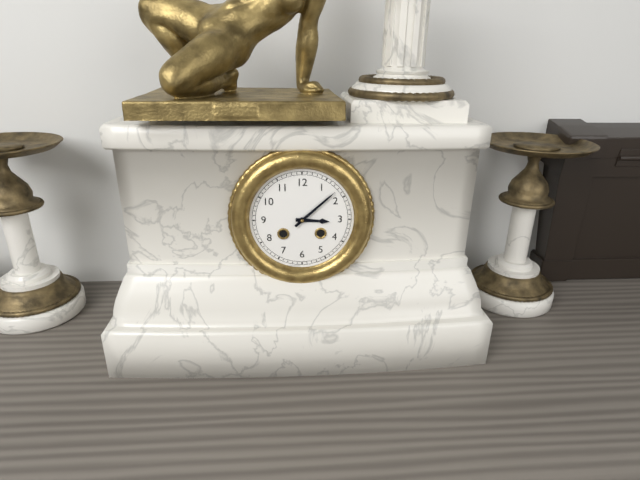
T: 3 h 08 min
